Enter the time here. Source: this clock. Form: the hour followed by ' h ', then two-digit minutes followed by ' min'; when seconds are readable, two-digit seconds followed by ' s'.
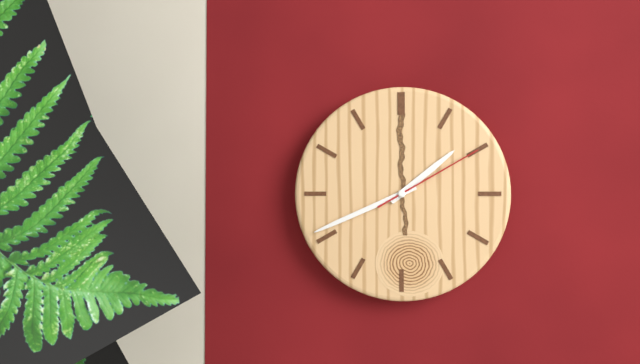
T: 1 h 41 min 10 s
